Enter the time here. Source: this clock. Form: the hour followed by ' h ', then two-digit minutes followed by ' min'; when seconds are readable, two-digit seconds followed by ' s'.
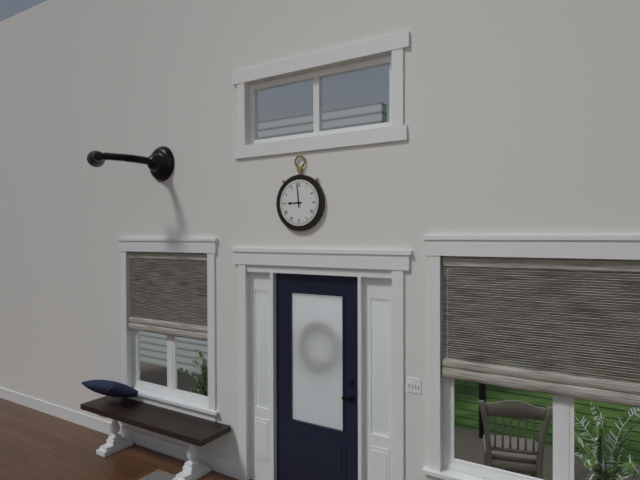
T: 8 h 59 min
